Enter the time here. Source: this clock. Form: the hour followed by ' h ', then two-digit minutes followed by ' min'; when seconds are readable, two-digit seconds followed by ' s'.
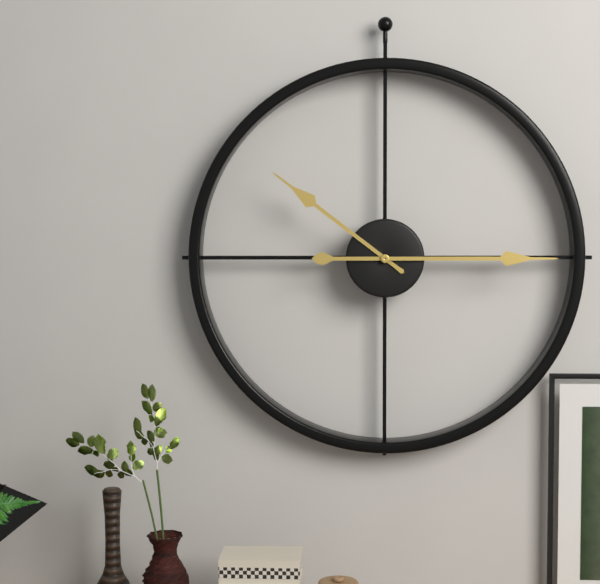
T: 10 h 15 min
